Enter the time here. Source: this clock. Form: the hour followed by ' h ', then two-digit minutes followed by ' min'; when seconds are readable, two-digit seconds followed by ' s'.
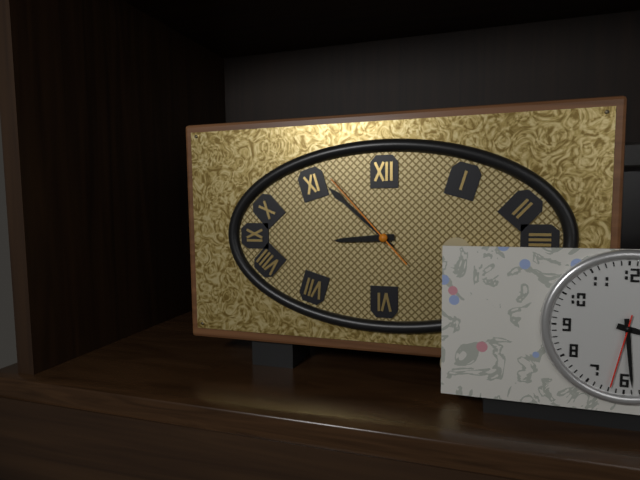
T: 8 h 52 min 53 s
